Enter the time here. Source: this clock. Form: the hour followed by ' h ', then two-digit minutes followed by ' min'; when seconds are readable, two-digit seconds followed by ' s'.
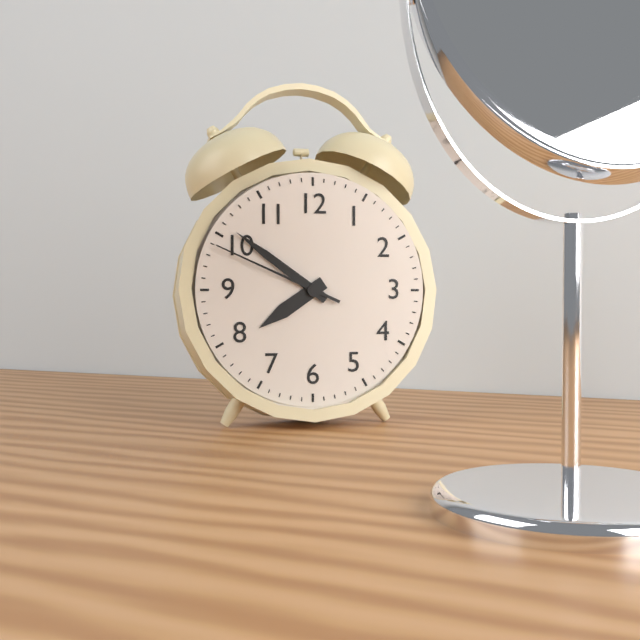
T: 7 h 51 min 49 s
